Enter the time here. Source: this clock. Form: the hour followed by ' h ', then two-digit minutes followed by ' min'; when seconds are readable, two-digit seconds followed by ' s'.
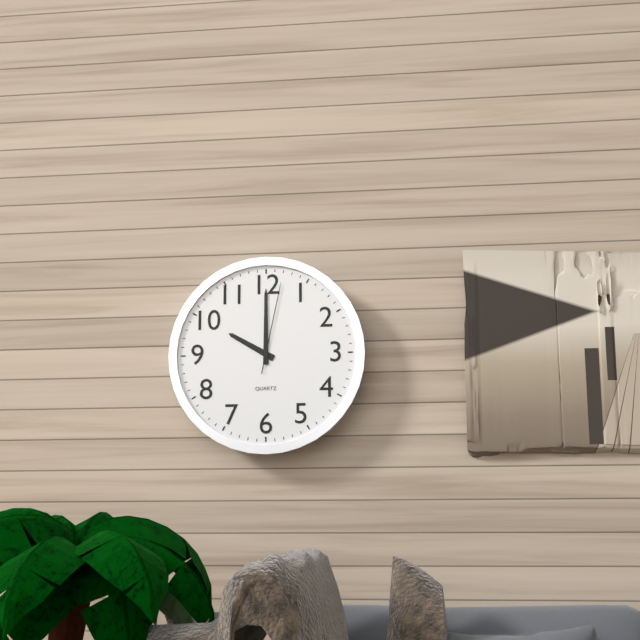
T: 10 h 00 min 02 s
